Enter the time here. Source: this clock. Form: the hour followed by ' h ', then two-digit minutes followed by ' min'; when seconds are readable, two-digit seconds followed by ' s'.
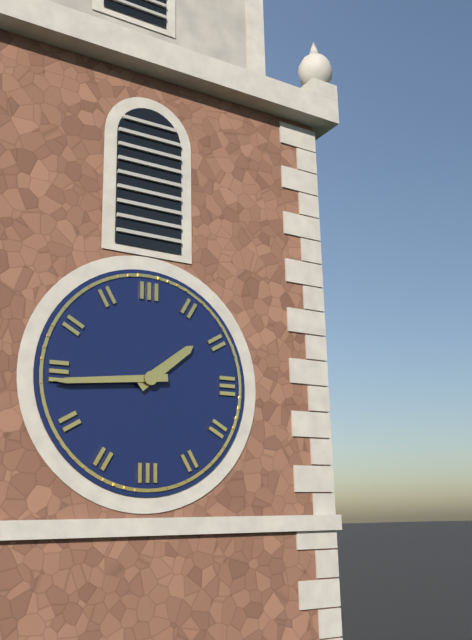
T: 1 h 44 min
